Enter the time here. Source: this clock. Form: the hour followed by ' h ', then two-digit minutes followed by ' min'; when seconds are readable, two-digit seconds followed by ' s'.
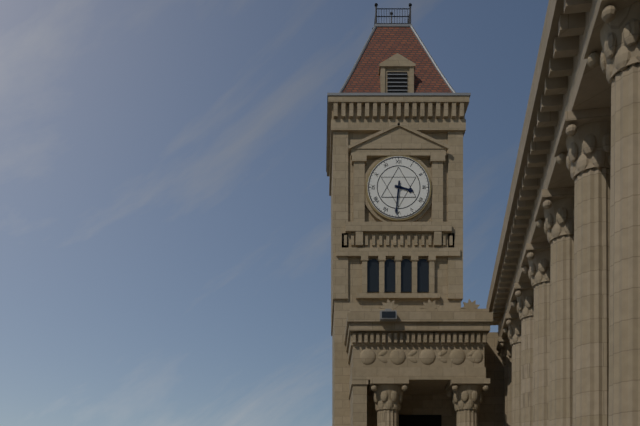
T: 3 h 31 min
